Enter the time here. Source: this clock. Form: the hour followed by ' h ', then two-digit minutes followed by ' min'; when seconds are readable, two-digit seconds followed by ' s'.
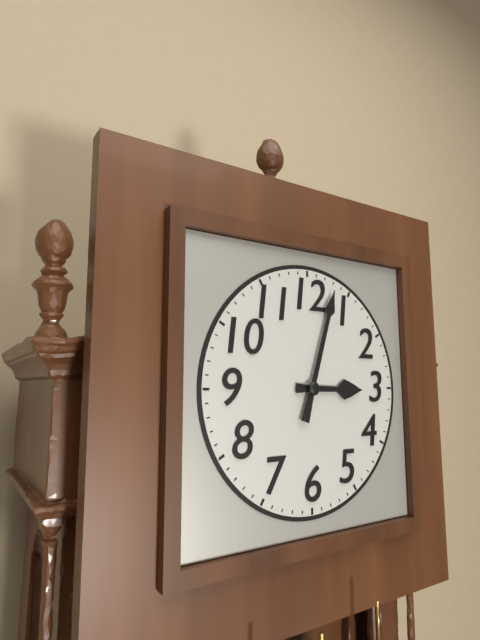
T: 3 h 03 min
